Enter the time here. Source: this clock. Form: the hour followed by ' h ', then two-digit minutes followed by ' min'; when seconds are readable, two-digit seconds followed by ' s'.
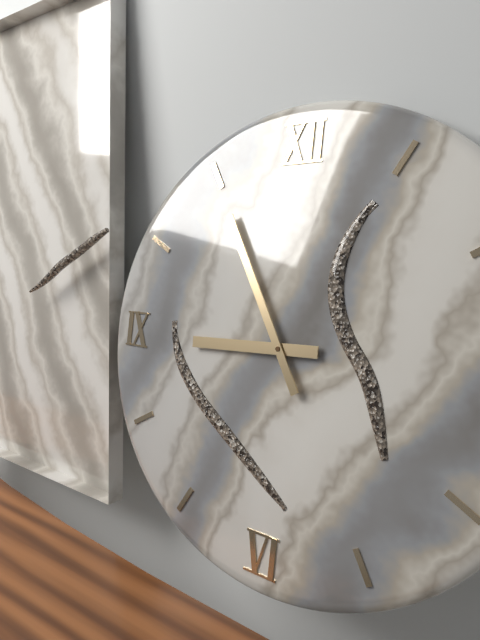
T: 8 h 55 min
